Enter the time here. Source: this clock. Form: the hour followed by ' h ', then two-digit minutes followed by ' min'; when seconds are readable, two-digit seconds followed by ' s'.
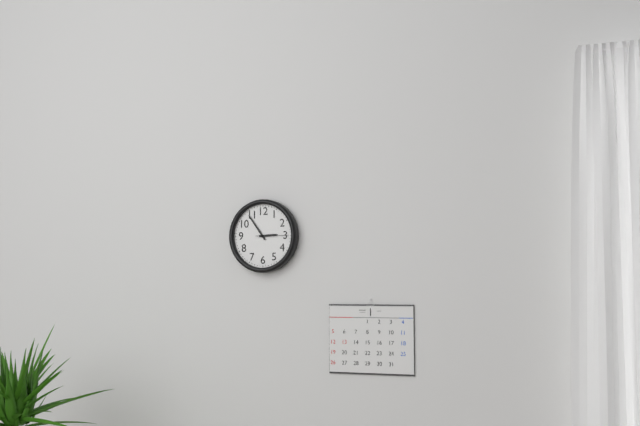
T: 2 h 54 min
